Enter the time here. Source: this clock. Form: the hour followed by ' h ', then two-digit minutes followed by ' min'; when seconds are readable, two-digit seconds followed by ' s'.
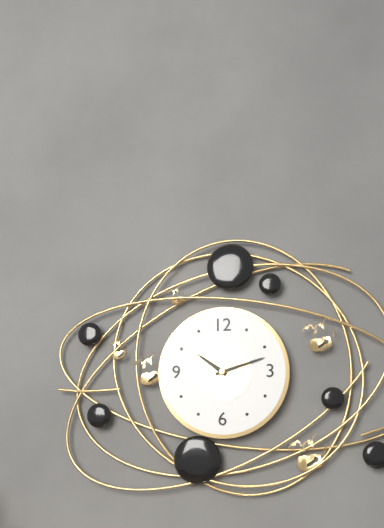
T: 10 h 12 min
